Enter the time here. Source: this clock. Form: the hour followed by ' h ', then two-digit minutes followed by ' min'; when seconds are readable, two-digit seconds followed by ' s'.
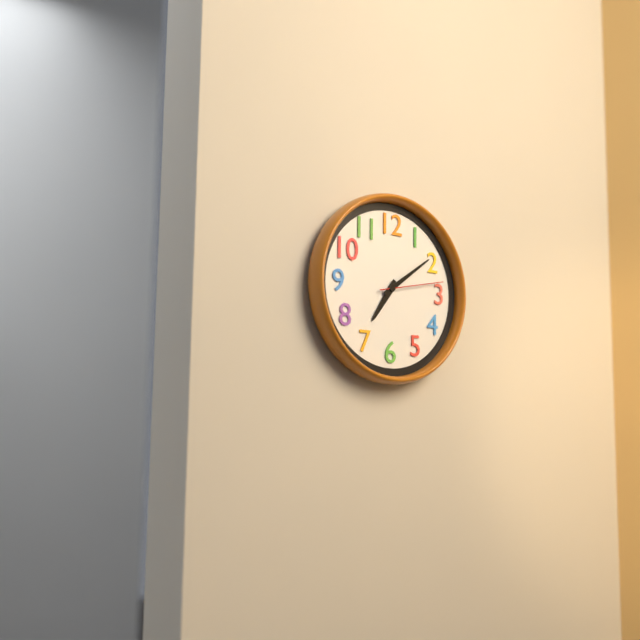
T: 7 h 09 min 13 s
